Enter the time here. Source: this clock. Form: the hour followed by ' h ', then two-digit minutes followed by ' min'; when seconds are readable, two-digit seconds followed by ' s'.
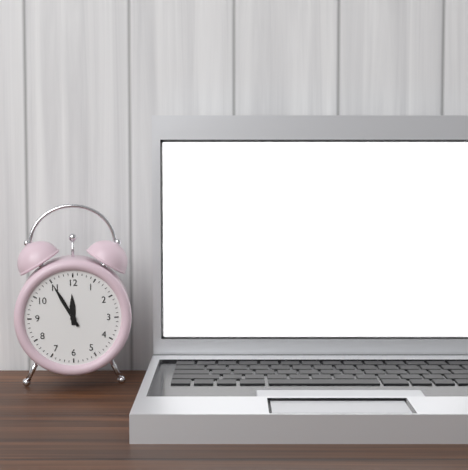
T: 11 h 55 min
